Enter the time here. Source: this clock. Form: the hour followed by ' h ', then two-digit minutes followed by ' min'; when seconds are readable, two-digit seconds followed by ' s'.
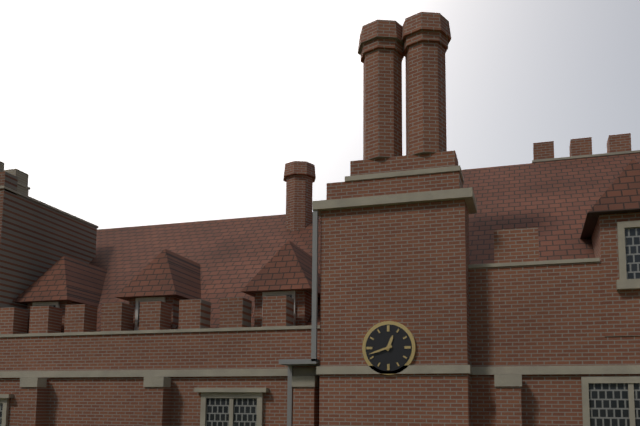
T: 12 h 42 min
